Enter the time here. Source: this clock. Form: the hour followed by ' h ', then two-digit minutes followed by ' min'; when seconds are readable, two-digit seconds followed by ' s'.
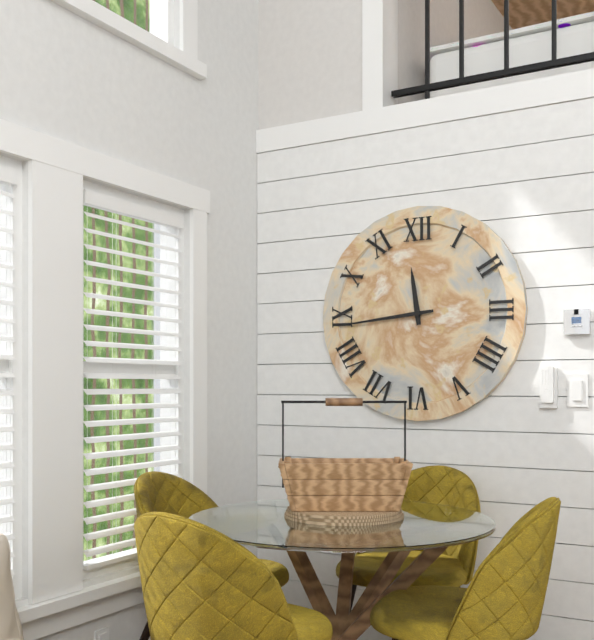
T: 11 h 44 min
